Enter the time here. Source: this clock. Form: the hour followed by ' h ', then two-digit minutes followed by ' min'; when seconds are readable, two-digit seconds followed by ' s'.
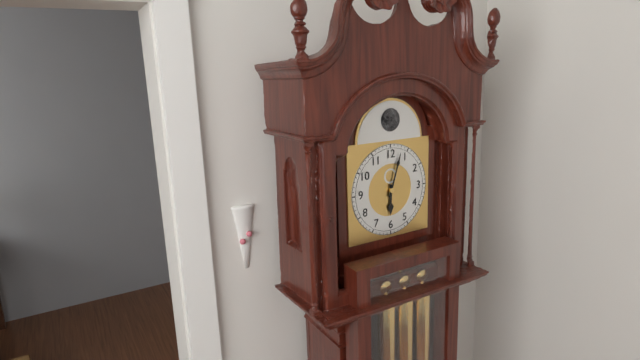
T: 6 h 03 min
